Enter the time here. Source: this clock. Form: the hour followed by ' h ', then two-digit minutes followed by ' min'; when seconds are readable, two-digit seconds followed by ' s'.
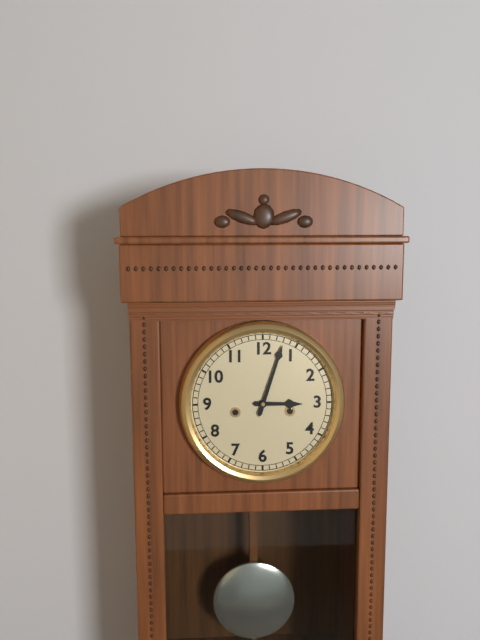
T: 3 h 03 min
